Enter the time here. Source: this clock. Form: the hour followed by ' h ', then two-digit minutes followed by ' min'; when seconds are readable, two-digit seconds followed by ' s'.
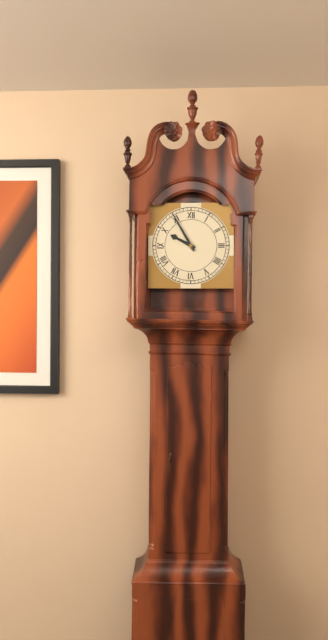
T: 9 h 55 min
